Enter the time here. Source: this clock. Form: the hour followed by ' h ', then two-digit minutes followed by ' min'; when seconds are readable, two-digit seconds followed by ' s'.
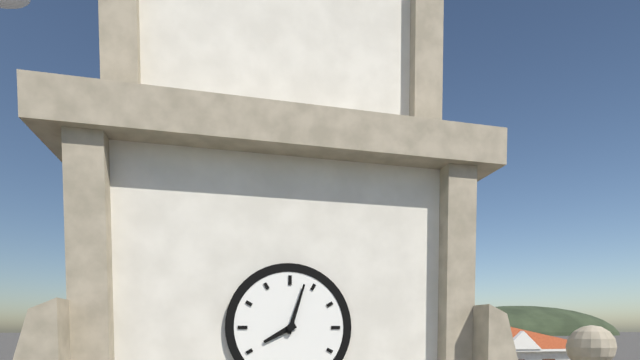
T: 8 h 03 min
